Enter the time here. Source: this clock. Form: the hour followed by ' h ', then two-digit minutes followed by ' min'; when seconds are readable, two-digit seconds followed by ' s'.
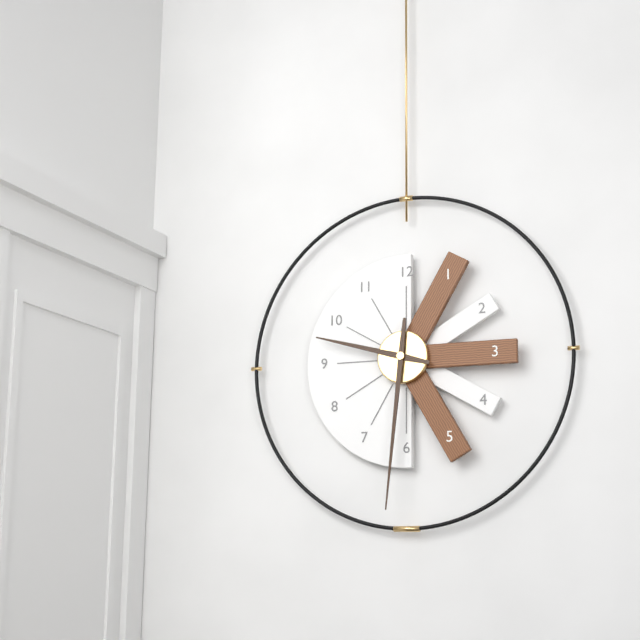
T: 9 h 31 min
